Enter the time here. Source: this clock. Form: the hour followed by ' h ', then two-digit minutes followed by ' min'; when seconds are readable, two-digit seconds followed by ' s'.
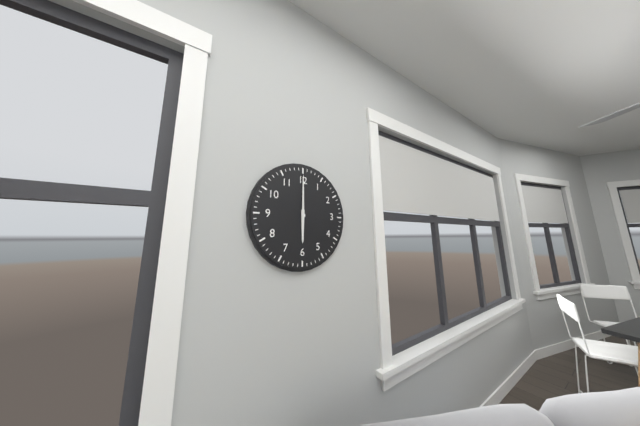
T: 6 h 00 min
